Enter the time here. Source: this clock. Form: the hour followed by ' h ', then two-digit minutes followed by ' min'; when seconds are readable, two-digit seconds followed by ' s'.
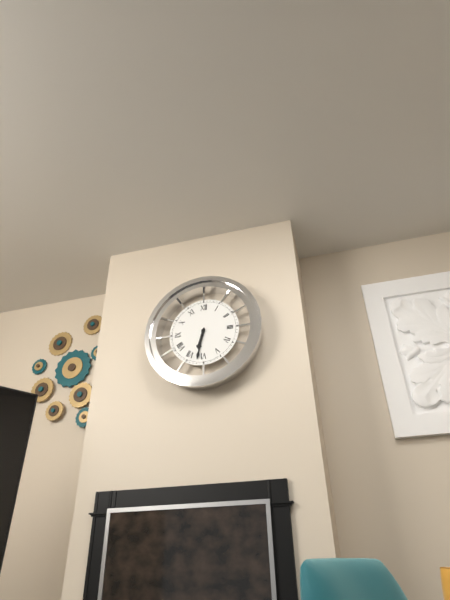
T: 6 h 32 min
